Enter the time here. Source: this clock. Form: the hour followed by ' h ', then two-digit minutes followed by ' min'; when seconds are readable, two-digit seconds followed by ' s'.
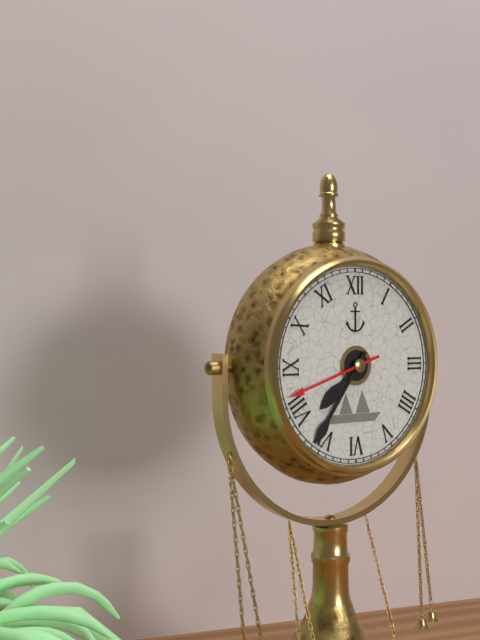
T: 7 h 36 min 42 s
